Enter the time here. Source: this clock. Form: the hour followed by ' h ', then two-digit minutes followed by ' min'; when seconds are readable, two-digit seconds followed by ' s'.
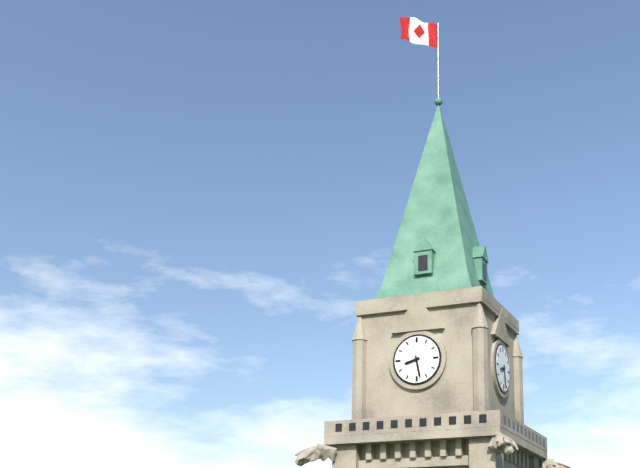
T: 8 h 28 min
